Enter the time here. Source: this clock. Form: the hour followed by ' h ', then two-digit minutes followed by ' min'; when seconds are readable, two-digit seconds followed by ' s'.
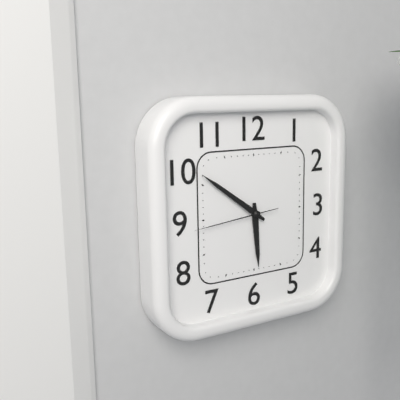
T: 5 h 51 min 44 s
